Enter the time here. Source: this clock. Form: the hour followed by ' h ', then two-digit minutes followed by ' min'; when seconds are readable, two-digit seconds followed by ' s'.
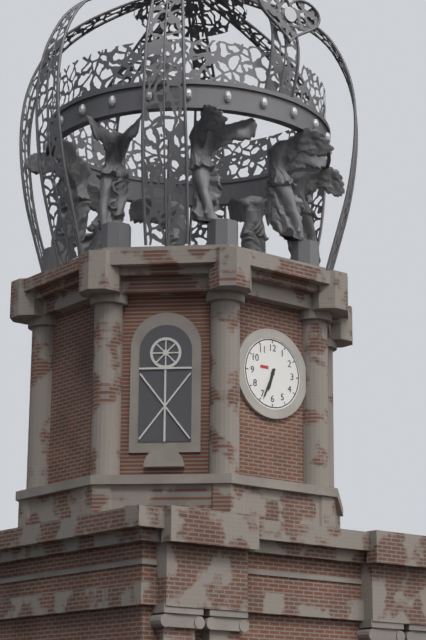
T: 6 h 34 min
